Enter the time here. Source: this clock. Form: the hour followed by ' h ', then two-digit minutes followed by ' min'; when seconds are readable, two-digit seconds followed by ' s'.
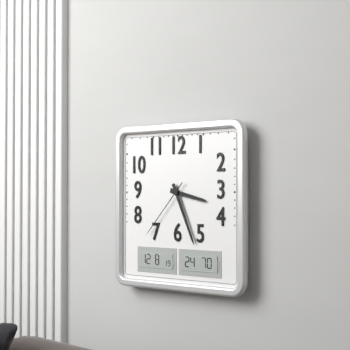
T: 3 h 26 min 37 s
